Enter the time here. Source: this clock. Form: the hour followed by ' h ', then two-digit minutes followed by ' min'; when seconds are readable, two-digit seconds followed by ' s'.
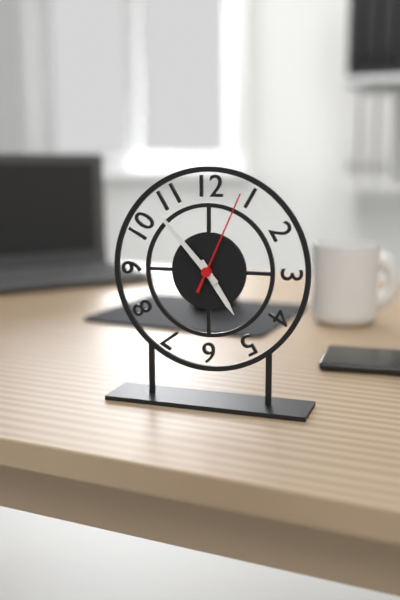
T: 4 h 53 min 04 s
